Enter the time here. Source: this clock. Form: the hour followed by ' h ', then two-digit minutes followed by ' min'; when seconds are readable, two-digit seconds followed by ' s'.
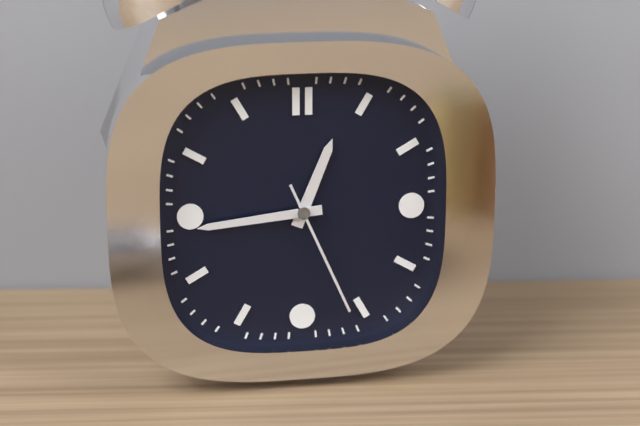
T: 12 h 44 min 26 s
